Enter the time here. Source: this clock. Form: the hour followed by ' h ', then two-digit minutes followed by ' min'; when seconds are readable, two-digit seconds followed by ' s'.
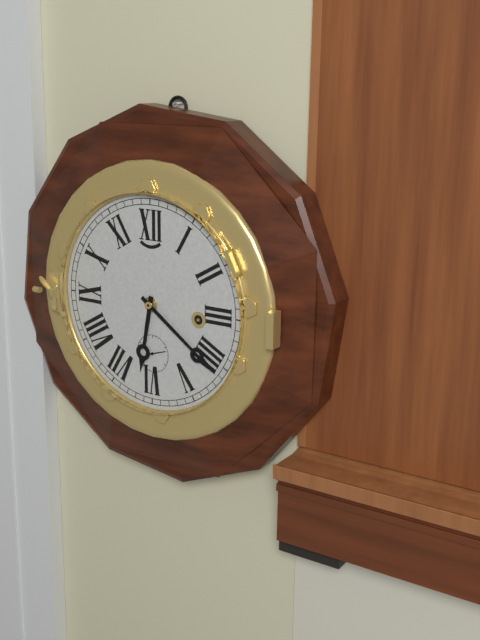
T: 6 h 21 min
